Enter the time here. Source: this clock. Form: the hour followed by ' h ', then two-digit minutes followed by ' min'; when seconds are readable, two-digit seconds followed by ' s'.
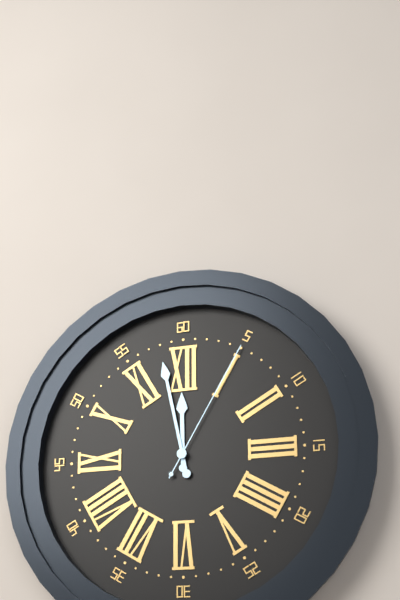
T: 11 h 58 min 05 s
